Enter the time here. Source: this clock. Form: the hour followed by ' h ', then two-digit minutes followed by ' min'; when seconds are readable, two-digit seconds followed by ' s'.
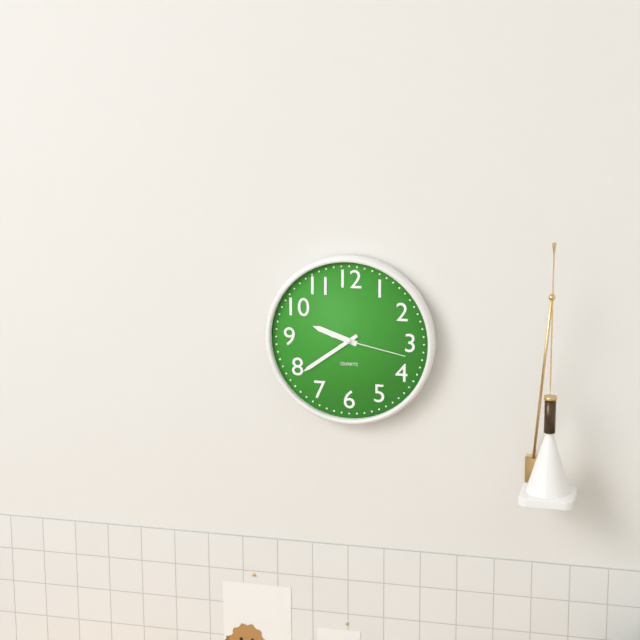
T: 9 h 39 min 17 s
